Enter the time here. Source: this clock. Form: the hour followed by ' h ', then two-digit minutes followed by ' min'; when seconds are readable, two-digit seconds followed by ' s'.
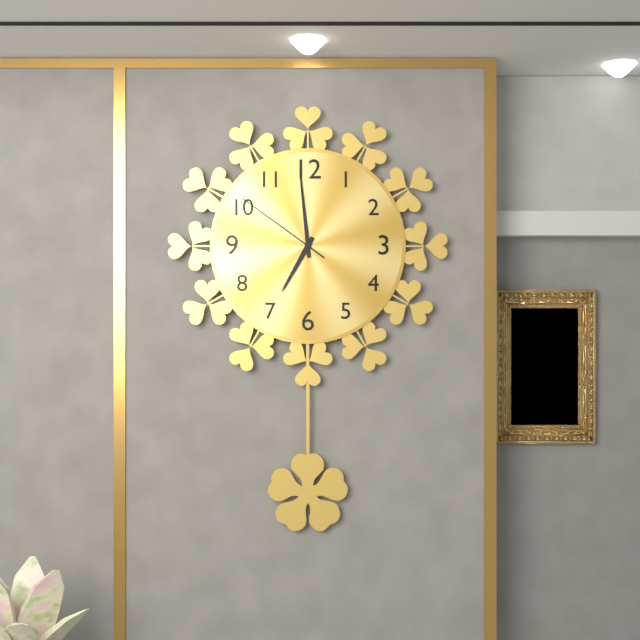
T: 6 h 59 min 51 s
